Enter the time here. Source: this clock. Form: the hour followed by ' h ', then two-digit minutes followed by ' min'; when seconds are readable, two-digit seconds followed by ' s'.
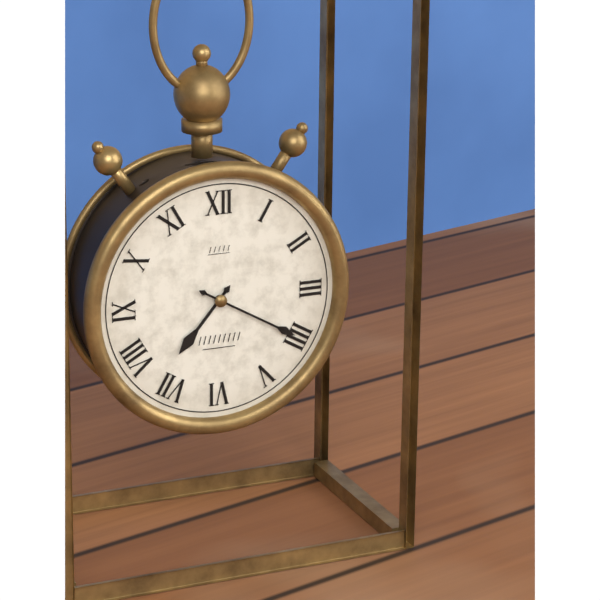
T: 7 h 20 min
